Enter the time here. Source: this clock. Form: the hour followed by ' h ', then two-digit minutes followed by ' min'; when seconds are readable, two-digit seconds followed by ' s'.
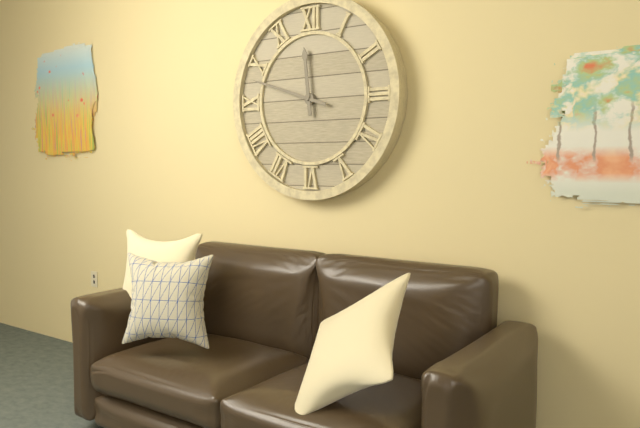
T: 11 h 48 min
